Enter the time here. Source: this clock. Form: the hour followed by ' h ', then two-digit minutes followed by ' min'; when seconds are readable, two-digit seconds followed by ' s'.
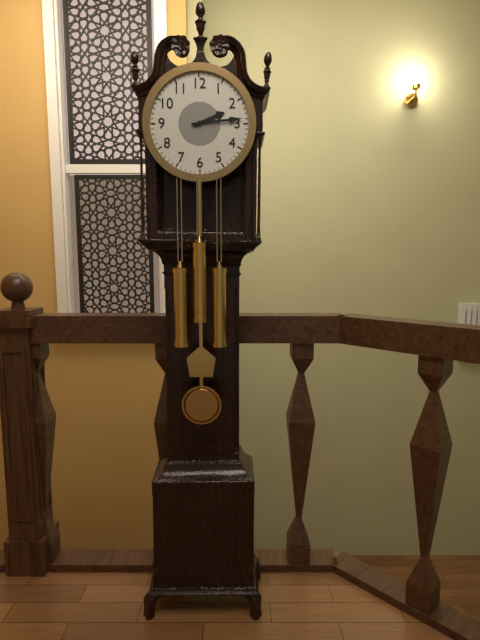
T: 2 h 14 min
